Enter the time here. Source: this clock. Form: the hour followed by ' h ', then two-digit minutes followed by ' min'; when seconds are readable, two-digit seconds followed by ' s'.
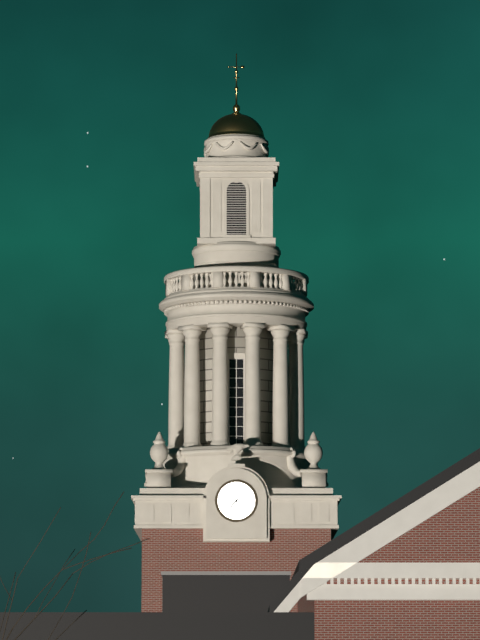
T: 7 h 25 min
